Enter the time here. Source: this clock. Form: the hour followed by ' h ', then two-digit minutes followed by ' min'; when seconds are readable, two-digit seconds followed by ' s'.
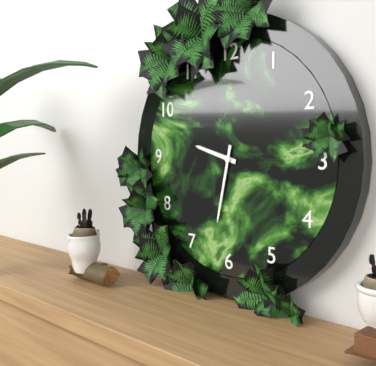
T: 9 h 32 min
